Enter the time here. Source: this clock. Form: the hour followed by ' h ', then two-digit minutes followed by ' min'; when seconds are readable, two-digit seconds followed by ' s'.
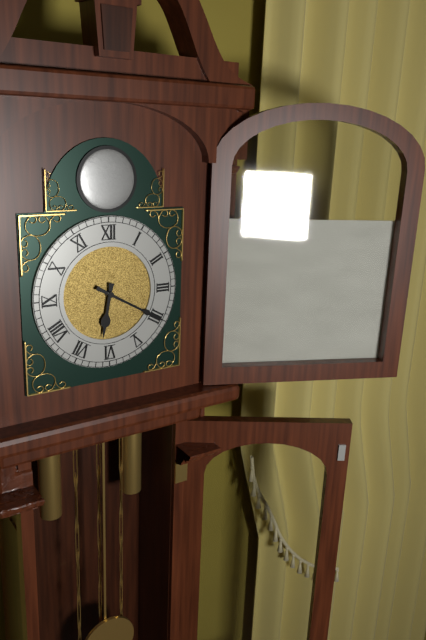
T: 6 h 20 min
